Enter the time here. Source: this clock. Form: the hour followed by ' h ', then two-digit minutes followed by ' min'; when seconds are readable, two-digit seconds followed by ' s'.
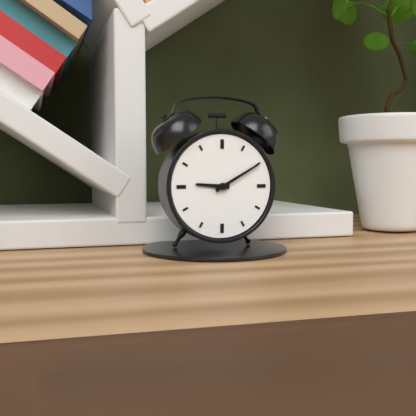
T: 9 h 10 min
